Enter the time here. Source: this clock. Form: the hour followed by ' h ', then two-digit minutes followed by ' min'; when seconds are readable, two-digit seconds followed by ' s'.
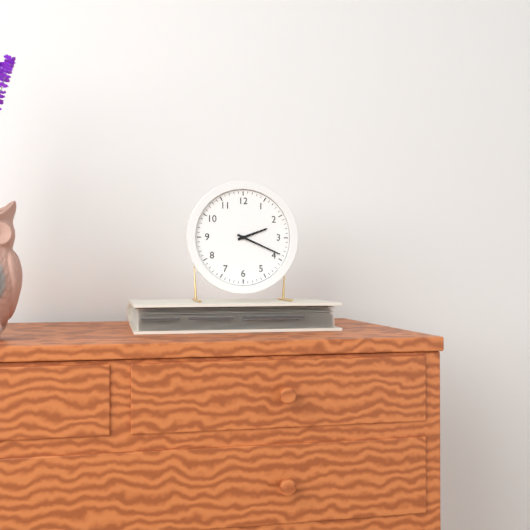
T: 2 h 19 min
